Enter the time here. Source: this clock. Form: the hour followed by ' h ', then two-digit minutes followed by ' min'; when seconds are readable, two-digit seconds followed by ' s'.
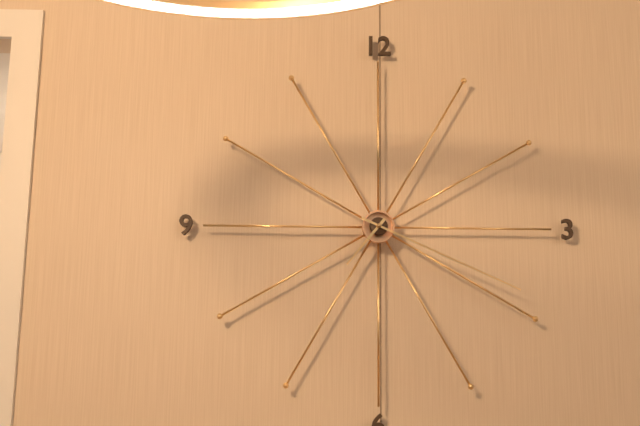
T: 7 h 19 min
